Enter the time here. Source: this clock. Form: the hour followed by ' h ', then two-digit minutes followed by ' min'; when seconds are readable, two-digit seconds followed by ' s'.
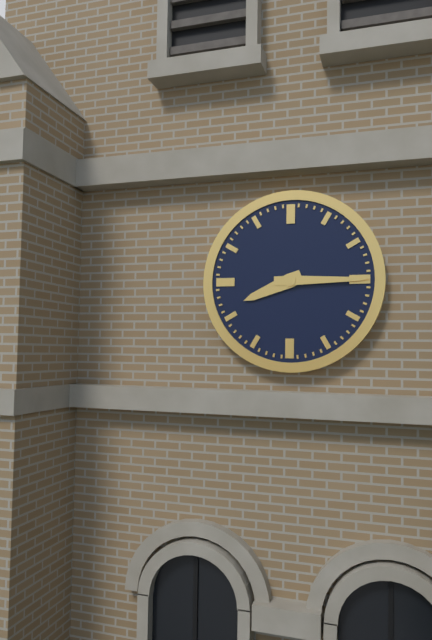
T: 8 h 15 min
